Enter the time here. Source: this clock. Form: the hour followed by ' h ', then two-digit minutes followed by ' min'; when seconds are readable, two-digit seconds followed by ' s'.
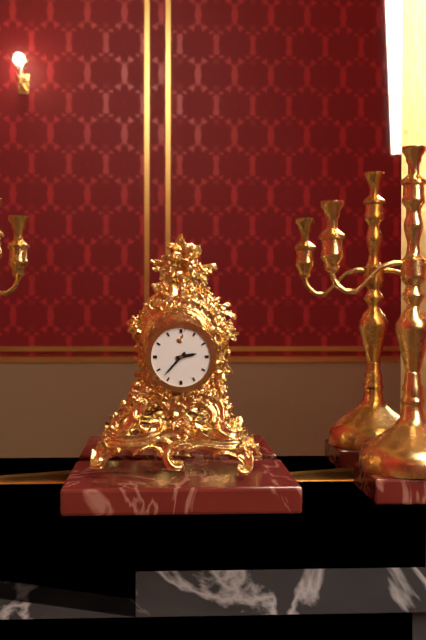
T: 2 h 37 min
